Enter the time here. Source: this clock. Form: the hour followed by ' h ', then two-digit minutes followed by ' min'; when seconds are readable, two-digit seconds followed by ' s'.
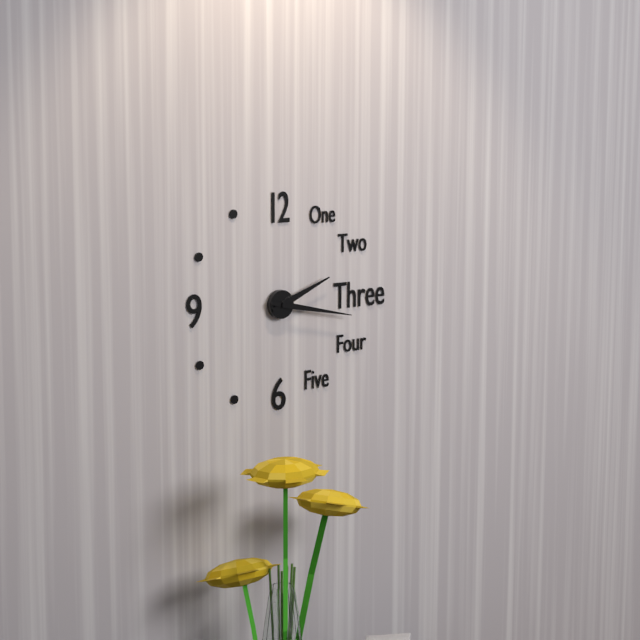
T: 2 h 17 min
